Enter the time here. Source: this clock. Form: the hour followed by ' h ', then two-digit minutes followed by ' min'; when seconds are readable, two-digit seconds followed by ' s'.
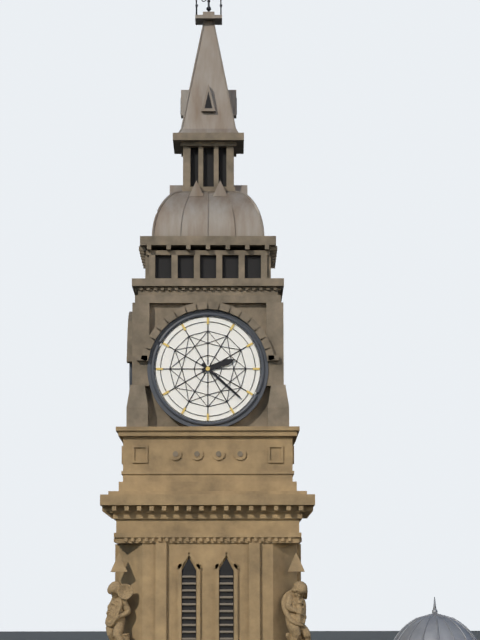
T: 2 h 22 min
